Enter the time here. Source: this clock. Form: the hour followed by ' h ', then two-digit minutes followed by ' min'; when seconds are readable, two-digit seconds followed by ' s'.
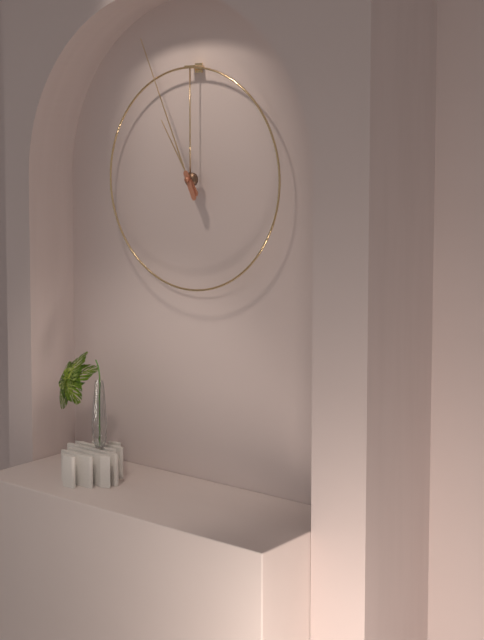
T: 10 h 56 min
